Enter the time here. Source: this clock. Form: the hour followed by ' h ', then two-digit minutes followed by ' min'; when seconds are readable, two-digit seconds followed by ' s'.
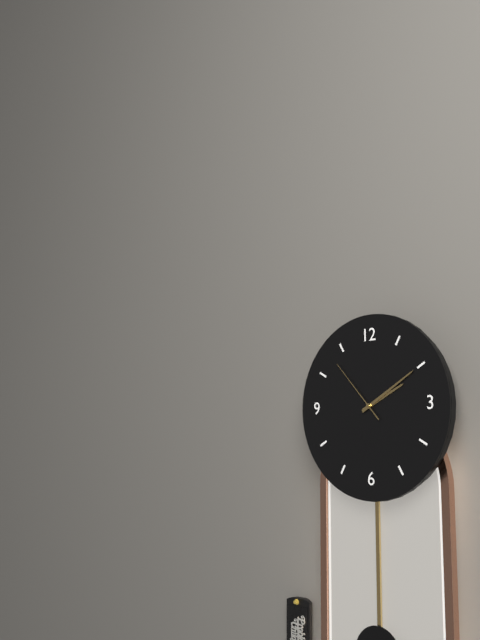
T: 2 h 10 min 53 s
